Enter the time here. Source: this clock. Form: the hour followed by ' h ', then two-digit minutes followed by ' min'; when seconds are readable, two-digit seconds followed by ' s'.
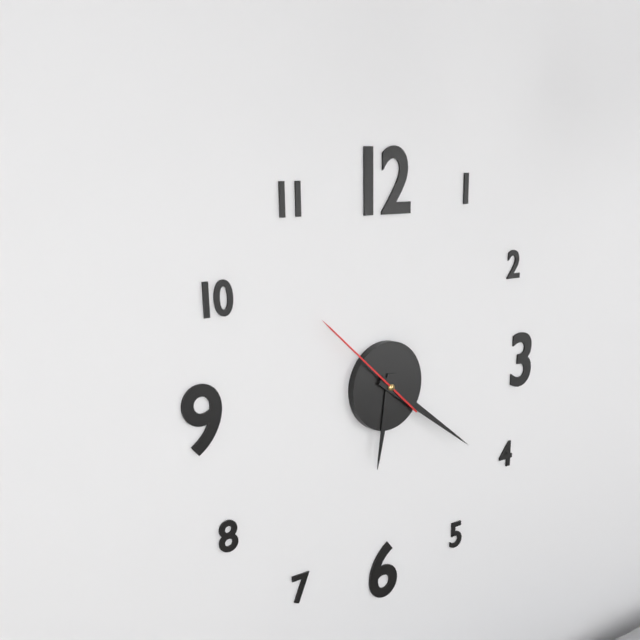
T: 6 h 21 min 52 s
